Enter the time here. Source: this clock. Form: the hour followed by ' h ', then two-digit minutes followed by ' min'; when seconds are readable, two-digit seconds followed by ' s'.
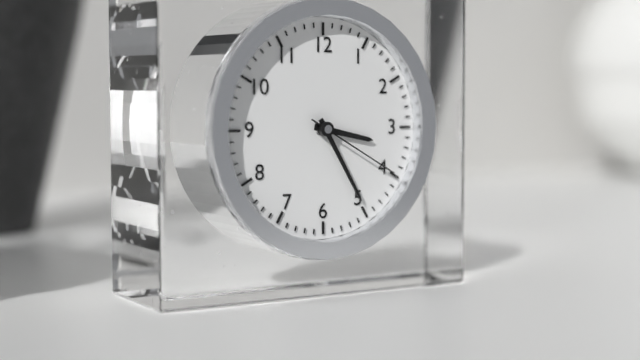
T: 3 h 25 min 20 s
